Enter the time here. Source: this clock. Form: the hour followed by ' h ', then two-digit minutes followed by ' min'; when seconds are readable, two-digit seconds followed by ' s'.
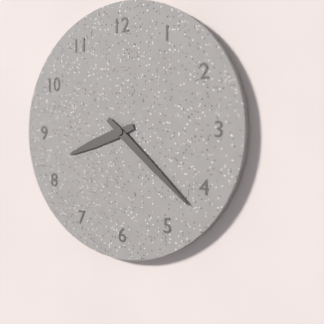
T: 8 h 22 min
